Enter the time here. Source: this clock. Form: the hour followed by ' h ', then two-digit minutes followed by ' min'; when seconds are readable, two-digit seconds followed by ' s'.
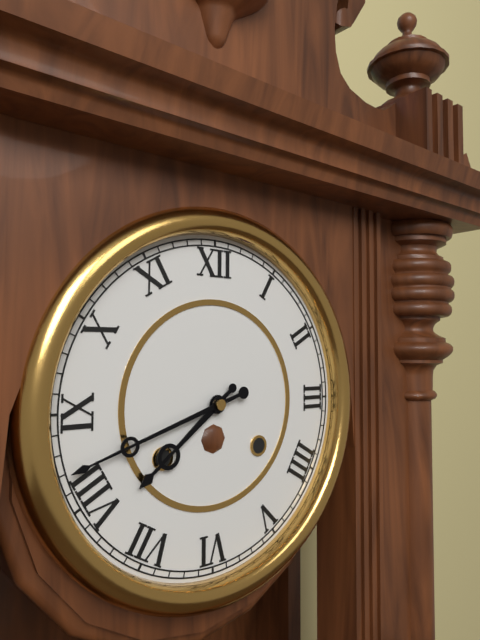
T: 7 h 42 min
